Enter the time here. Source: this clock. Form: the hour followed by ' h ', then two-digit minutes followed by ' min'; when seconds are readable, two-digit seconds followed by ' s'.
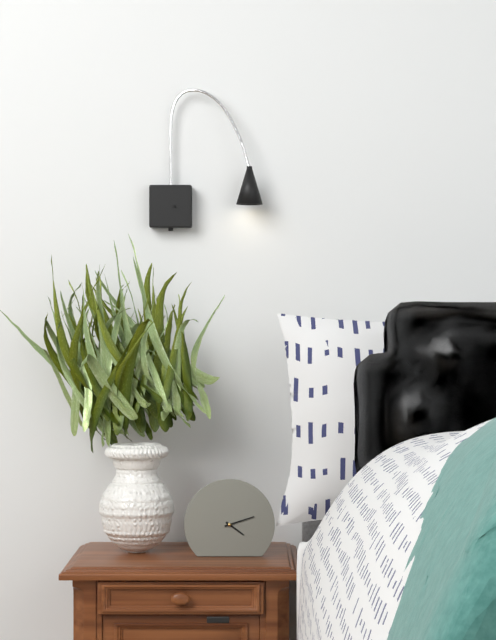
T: 4 h 12 min
